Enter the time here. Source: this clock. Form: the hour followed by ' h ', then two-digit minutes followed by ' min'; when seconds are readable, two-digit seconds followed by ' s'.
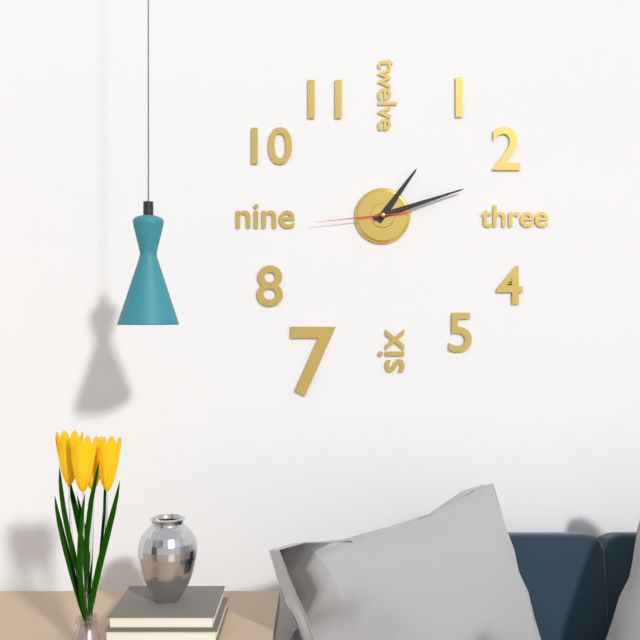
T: 1 h 12 min 44 s
